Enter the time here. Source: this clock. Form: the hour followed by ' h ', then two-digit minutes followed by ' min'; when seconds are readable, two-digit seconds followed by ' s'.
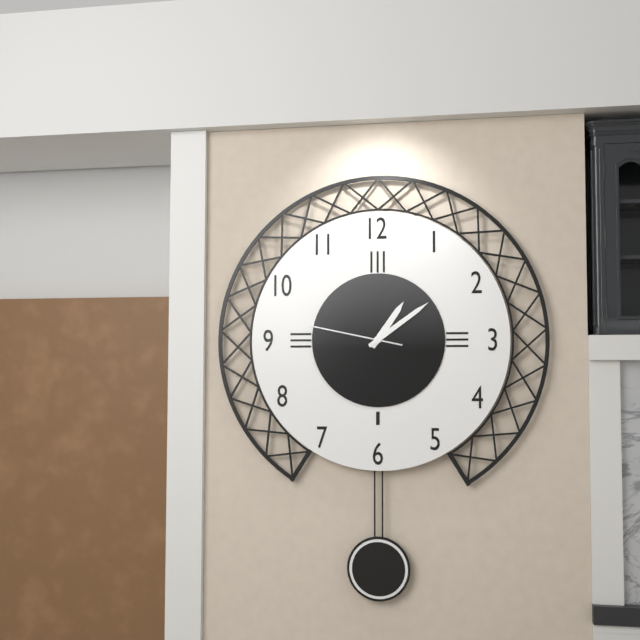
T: 1 h 09 min 47 s
